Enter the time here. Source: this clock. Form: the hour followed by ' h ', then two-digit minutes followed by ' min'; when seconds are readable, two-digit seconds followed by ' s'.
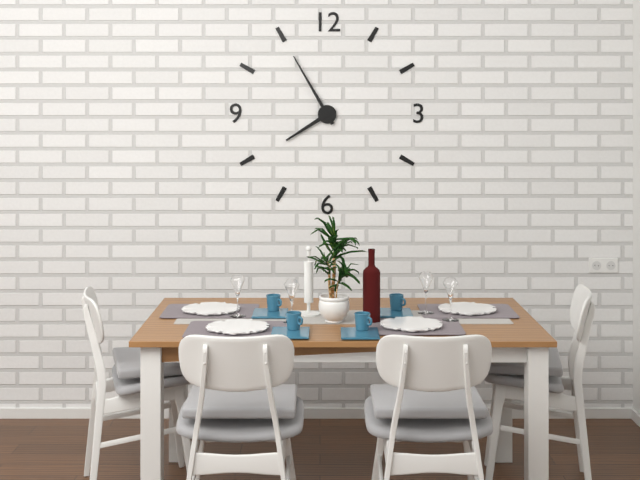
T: 7 h 55 min
